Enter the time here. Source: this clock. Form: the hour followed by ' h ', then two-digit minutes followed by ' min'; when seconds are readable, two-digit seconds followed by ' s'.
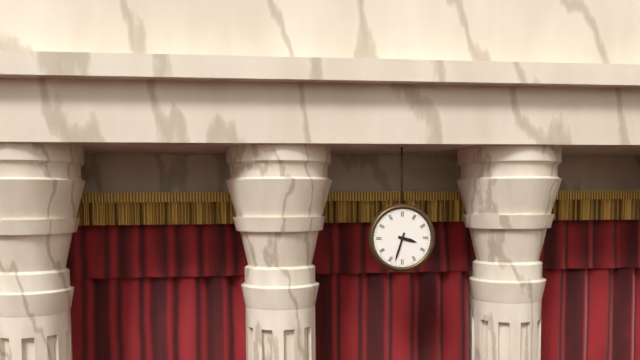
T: 3 h 33 min
